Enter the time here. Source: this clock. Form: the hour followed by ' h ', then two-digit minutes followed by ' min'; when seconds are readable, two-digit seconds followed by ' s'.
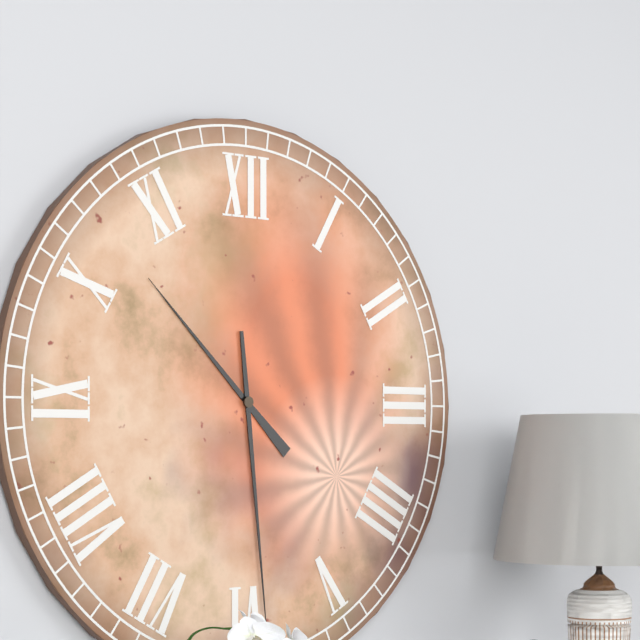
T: 10 h 29 min
